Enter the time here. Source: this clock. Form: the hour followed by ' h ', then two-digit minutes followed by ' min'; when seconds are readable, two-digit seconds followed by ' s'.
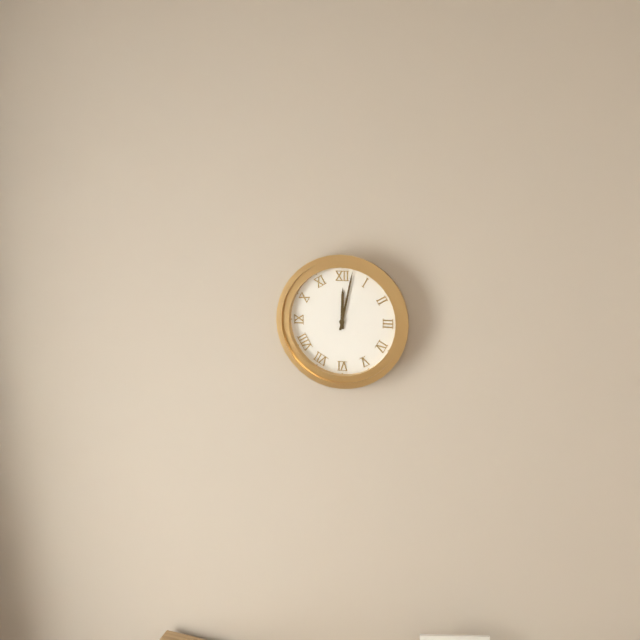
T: 12 h 02 min
